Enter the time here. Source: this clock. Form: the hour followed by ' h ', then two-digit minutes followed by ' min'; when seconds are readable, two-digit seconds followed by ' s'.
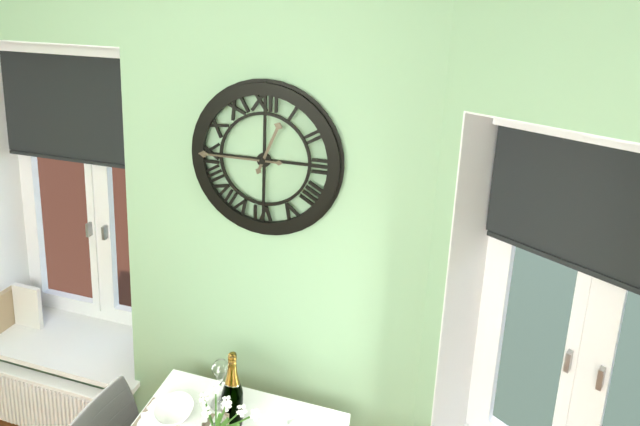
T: 12 h 45 min
